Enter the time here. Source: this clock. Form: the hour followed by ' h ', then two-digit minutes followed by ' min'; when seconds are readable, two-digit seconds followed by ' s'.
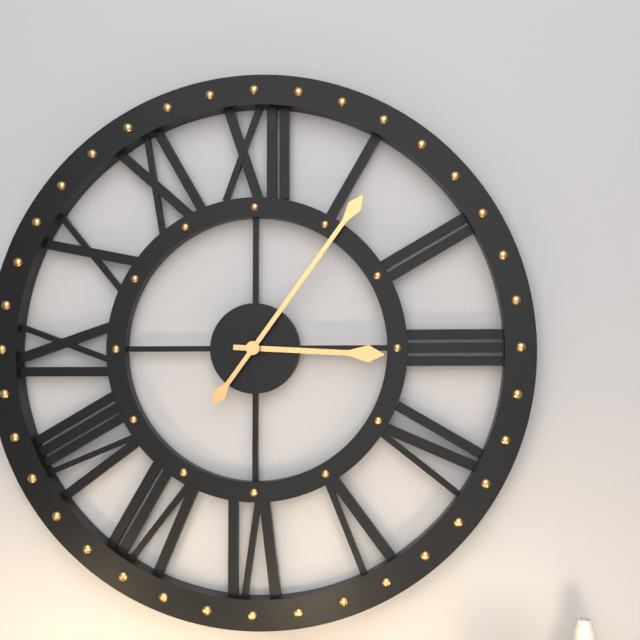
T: 3 h 06 min
